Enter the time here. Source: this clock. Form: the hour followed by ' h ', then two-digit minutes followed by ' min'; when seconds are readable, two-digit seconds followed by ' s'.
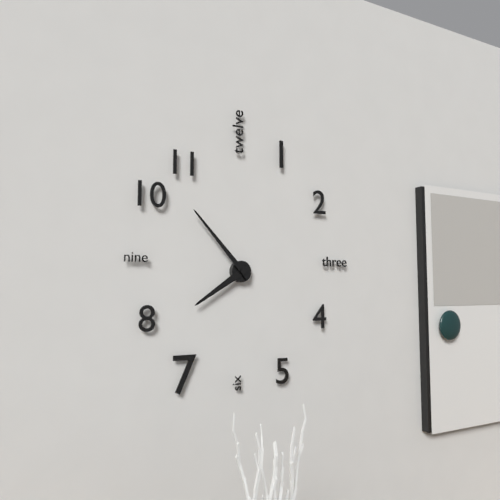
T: 7 h 53 min
